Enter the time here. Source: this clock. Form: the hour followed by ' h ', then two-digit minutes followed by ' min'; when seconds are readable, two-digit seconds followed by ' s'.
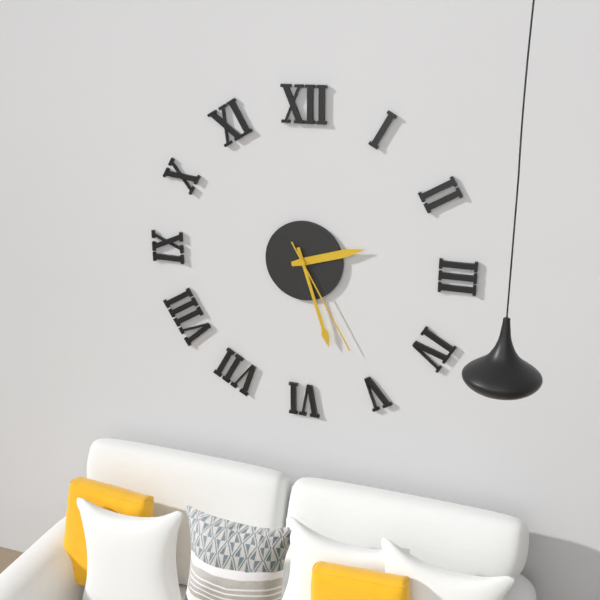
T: 2 h 27 min 25 s
